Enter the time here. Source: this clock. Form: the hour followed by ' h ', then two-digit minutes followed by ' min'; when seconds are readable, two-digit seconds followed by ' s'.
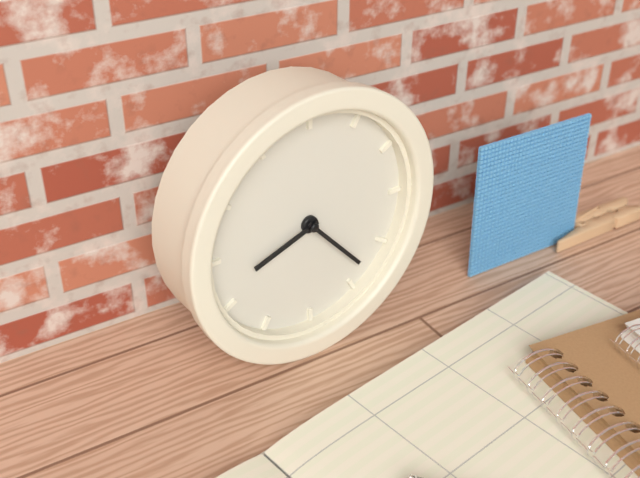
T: 8 h 23 min
